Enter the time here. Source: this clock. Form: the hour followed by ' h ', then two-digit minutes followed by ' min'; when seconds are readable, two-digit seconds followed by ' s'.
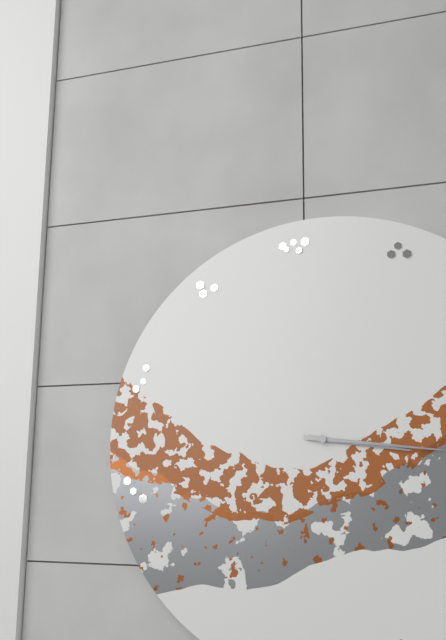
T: 3 h 16 min
